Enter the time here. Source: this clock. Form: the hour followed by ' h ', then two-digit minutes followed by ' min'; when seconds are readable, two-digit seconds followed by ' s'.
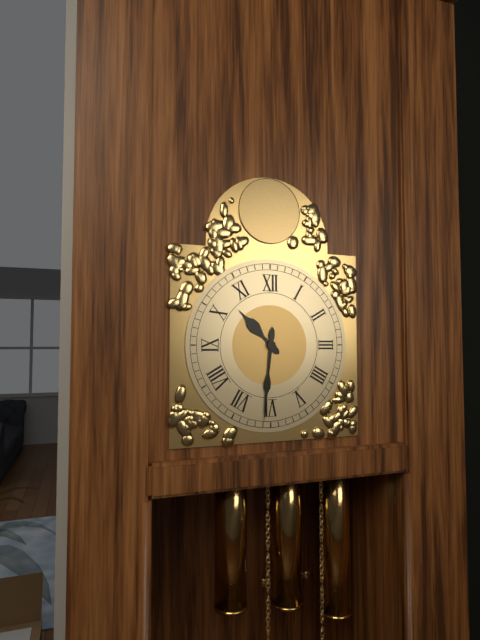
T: 10 h 31 min
